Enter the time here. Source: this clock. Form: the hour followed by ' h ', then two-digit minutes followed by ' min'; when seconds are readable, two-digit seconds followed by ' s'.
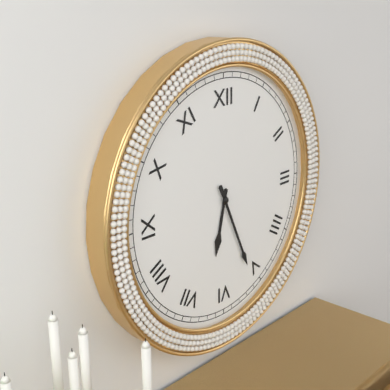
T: 6 h 26 min
